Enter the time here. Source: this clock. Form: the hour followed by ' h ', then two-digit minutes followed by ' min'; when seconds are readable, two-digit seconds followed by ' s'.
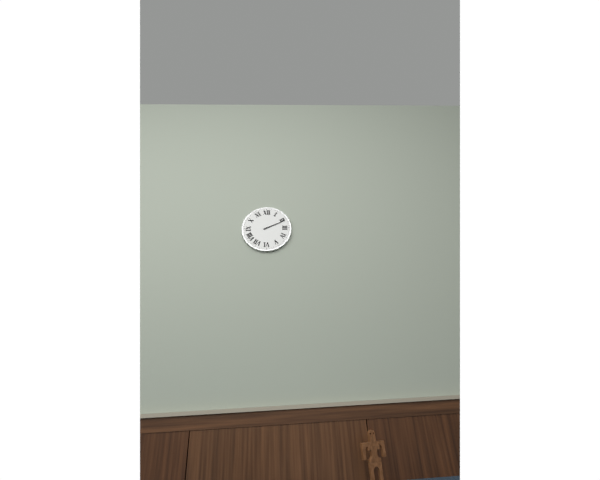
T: 2 h 11 min
